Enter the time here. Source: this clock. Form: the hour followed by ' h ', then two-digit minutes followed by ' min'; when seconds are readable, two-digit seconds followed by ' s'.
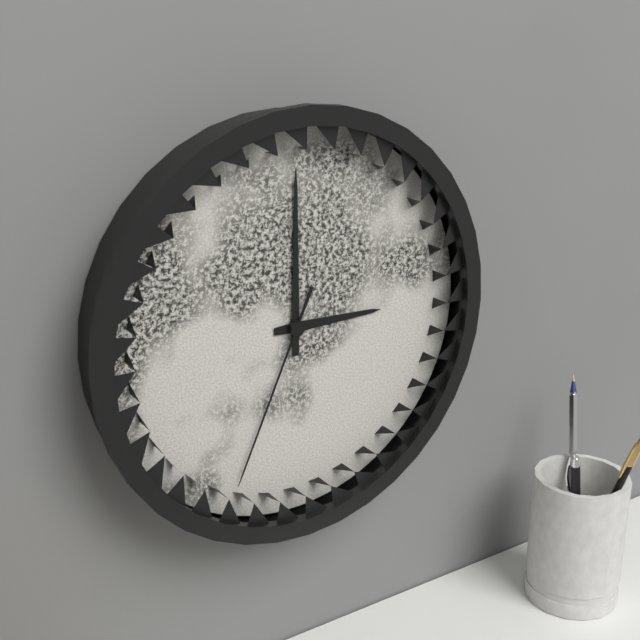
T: 3 h 00 min 34 s
